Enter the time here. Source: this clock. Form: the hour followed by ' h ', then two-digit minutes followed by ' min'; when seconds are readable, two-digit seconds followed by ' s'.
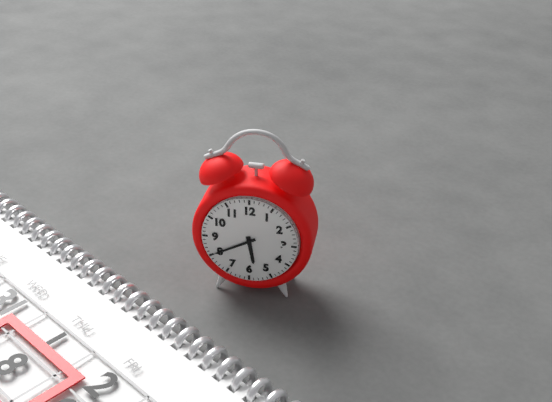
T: 5 h 40 min
